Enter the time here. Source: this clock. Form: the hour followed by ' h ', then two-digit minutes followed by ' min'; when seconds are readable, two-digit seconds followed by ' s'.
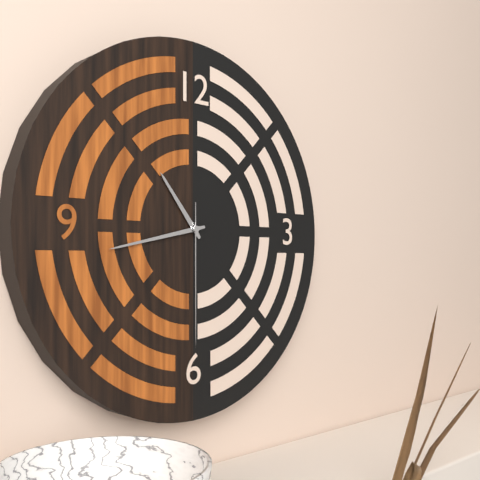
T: 10 h 43 min 30 s
